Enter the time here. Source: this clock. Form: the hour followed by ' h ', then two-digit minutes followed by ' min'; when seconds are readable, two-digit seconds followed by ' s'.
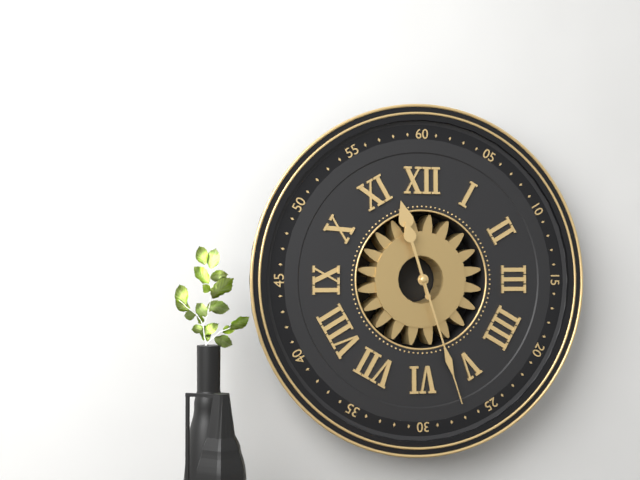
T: 11 h 27 min
